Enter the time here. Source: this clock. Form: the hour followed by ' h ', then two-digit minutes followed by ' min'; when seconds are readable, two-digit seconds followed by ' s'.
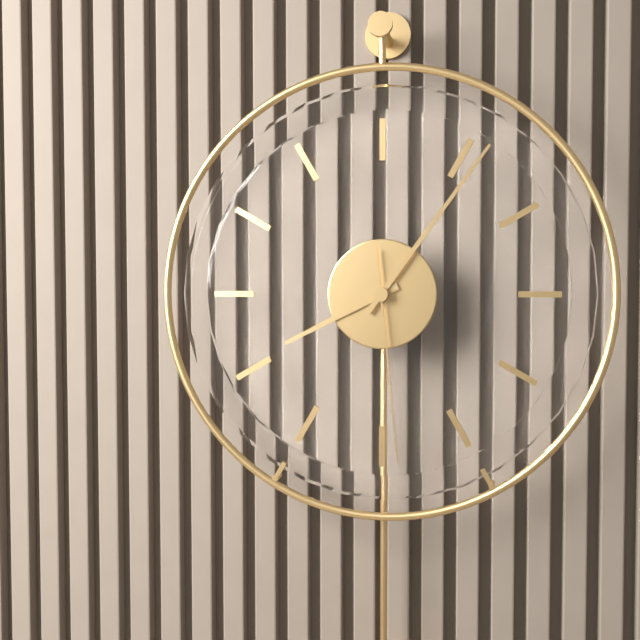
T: 8 h 06 min 29 s
